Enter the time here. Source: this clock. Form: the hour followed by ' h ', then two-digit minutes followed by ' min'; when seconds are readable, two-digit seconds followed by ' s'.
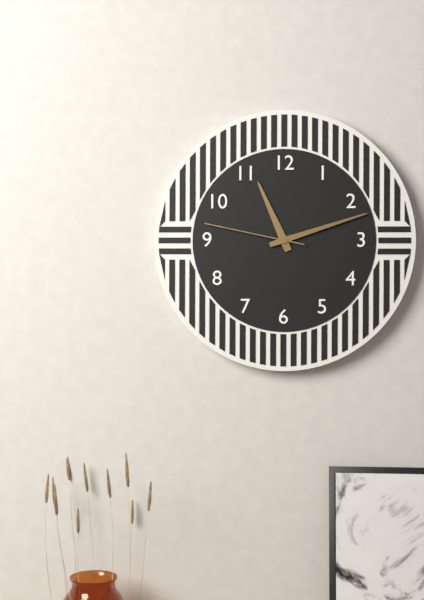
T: 11 h 12 min 47 s
